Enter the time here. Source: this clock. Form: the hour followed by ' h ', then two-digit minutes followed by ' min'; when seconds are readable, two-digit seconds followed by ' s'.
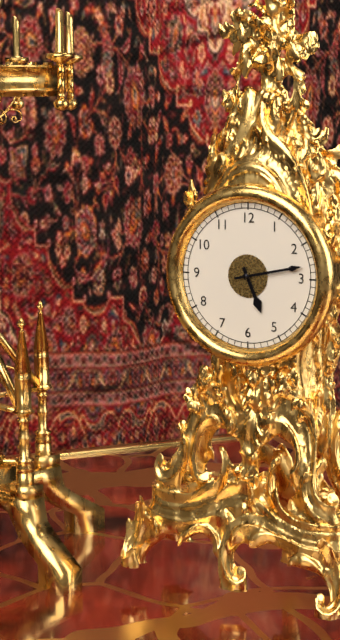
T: 5 h 13 min
